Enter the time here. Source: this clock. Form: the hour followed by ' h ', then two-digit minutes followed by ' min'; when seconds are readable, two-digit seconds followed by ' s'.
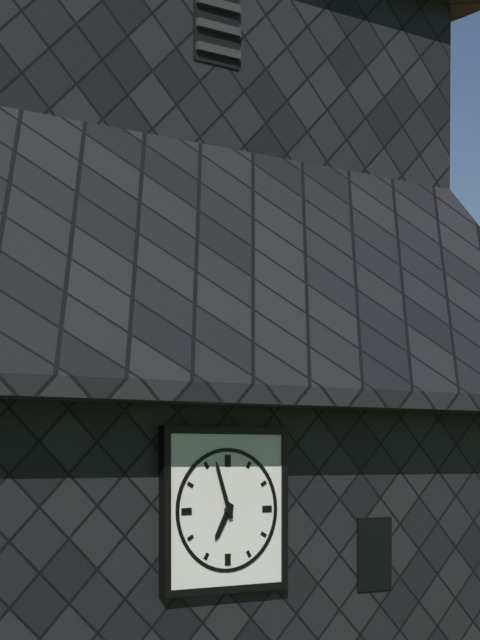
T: 6 h 57 min
